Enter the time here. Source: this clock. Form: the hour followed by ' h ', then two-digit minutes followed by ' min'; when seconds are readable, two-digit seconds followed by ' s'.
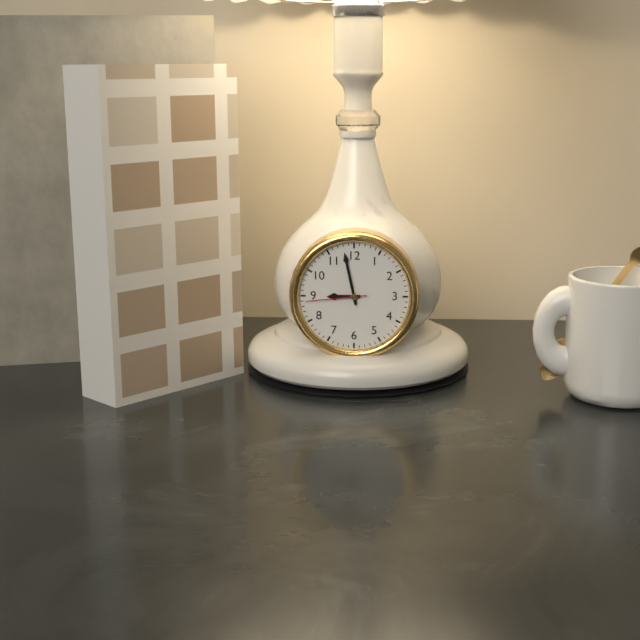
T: 8 h 58 min 44 s
